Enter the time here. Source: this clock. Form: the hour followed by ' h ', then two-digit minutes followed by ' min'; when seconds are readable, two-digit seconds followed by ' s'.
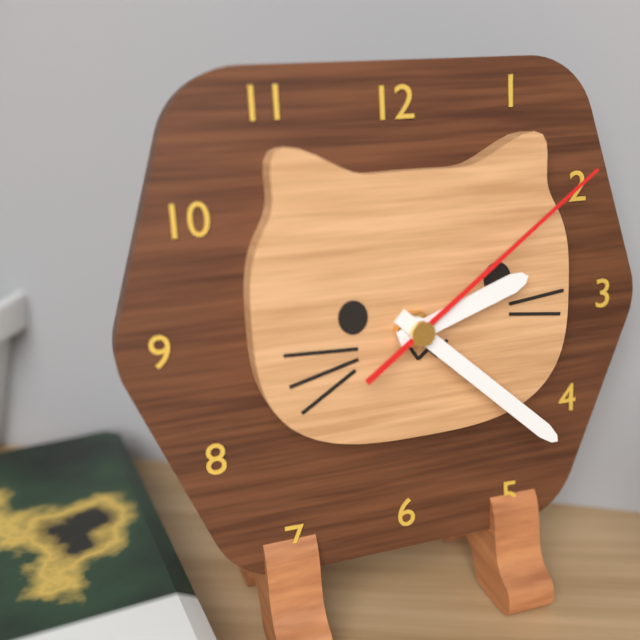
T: 2 h 22 min 09 s
